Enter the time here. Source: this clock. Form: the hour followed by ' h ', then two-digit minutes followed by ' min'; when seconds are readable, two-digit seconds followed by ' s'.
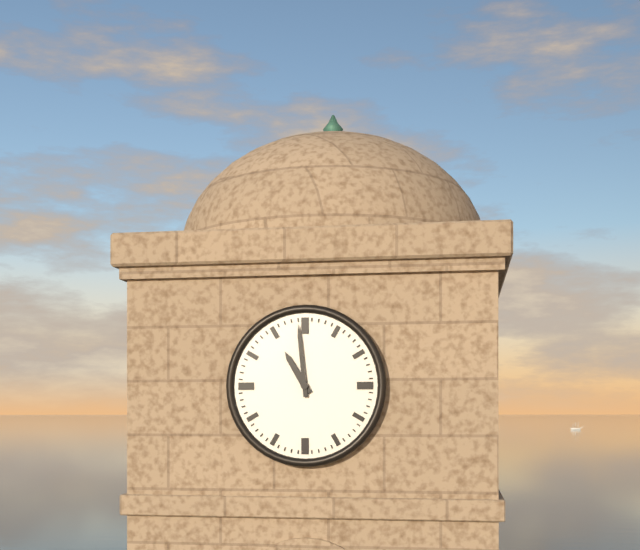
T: 10 h 59 min
